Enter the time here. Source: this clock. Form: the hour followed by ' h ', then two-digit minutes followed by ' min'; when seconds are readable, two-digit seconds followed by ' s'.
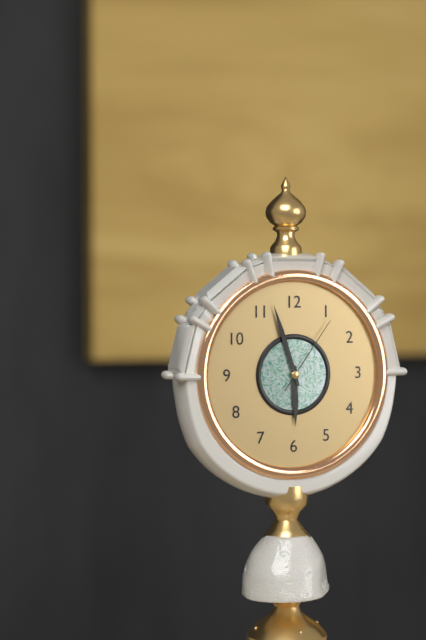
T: 5 h 57 min 06 s
